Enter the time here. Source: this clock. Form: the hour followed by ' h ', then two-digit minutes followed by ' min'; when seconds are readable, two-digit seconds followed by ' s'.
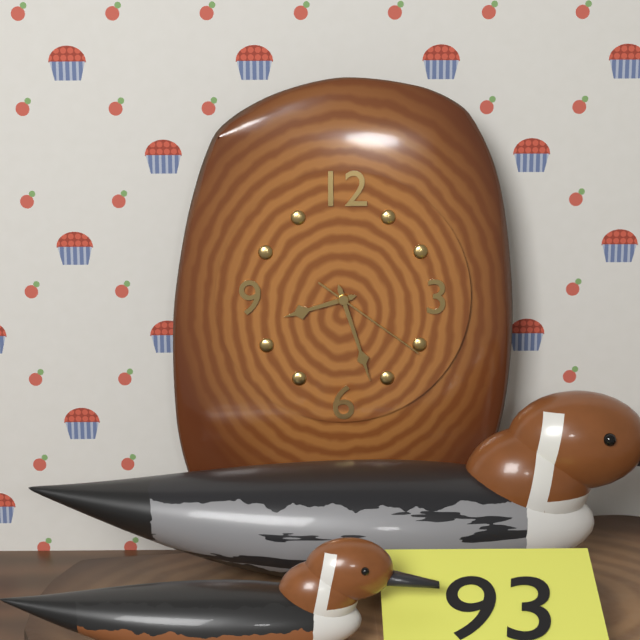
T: 8 h 27 min 21 s
